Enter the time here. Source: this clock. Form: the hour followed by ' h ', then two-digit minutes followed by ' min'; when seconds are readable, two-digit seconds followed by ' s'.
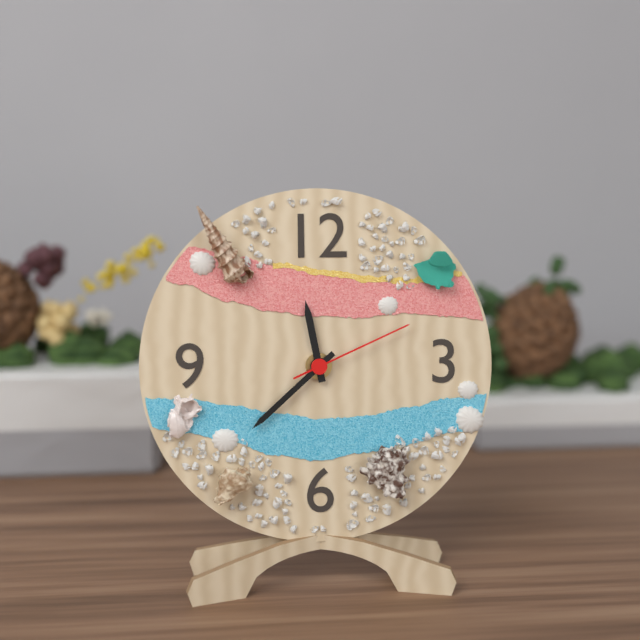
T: 11 h 38 min 11 s
